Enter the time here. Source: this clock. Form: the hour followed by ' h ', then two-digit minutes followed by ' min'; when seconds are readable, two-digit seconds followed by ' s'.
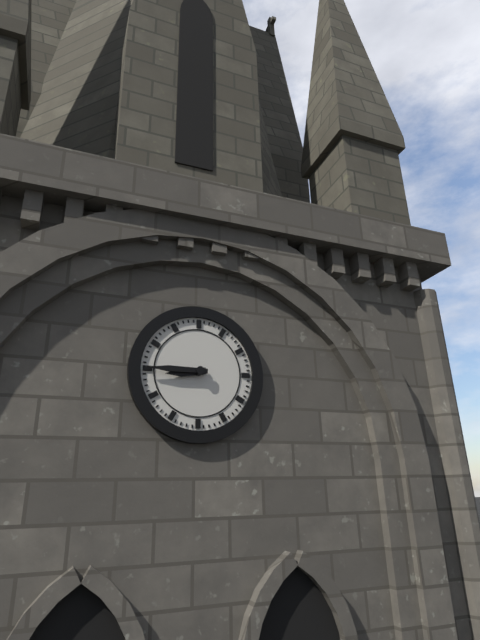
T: 8 h 45 min
